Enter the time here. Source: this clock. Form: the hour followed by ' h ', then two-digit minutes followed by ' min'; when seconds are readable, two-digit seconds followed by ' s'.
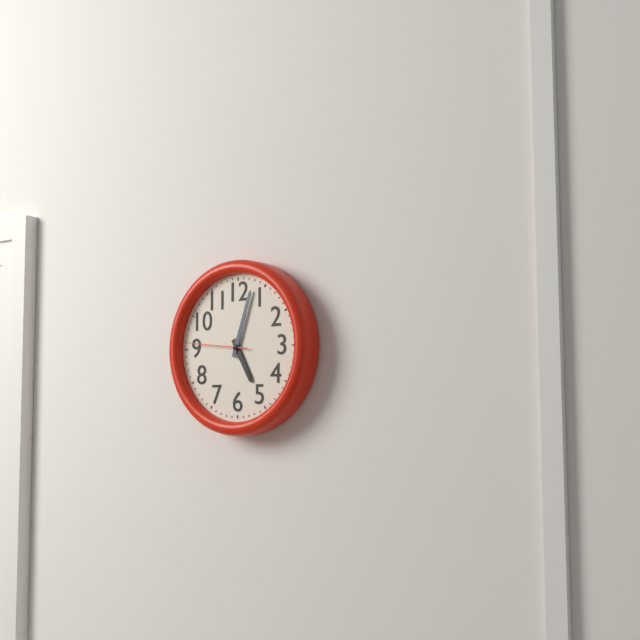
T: 5 h 03 min 46 s
